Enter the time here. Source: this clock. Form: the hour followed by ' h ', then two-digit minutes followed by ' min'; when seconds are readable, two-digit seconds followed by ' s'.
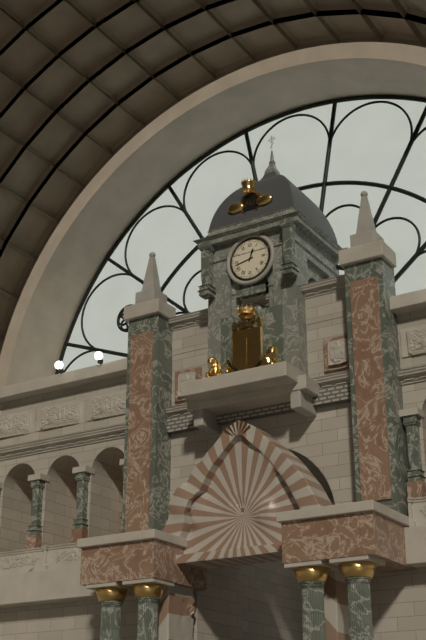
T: 12 h 43 min
